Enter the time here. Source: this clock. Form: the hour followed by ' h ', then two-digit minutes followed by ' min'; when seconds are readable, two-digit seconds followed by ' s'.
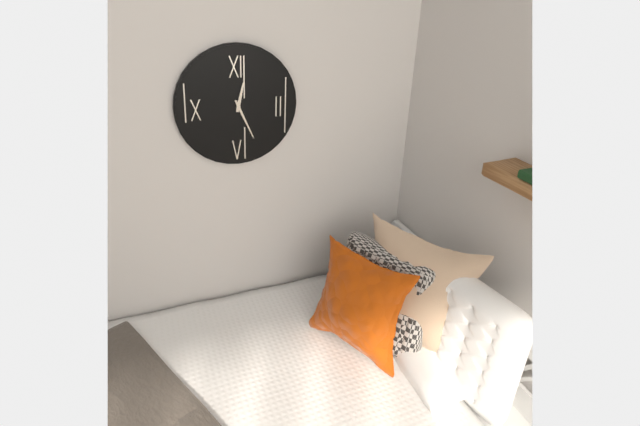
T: 12 h 26 min
